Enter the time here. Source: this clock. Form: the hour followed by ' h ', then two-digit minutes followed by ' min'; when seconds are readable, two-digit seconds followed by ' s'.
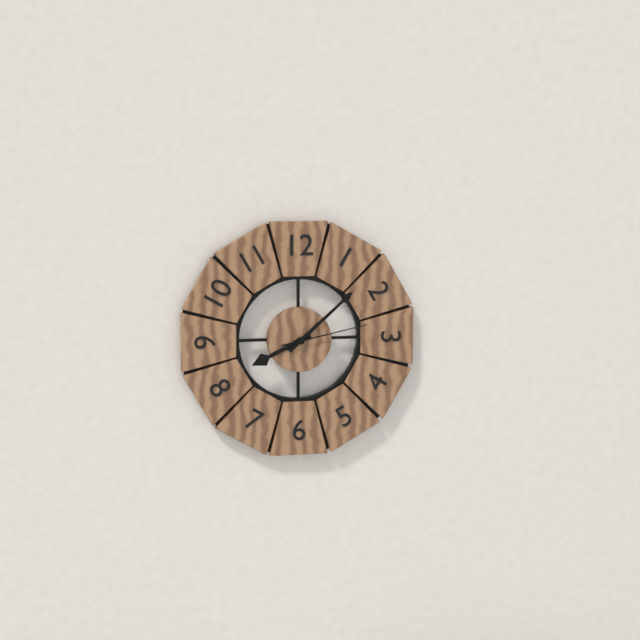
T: 8 h 08 min 13 s
